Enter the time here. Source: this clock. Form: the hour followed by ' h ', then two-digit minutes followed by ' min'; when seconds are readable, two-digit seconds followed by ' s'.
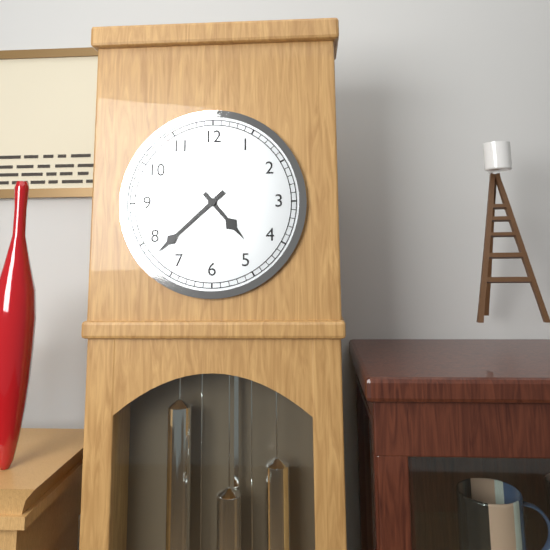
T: 4 h 38 min
